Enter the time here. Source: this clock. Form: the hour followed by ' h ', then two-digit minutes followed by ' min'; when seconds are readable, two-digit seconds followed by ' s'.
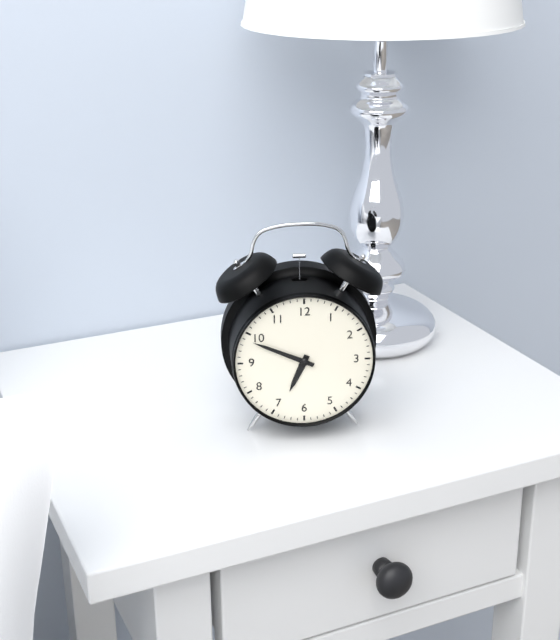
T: 6 h 49 min
